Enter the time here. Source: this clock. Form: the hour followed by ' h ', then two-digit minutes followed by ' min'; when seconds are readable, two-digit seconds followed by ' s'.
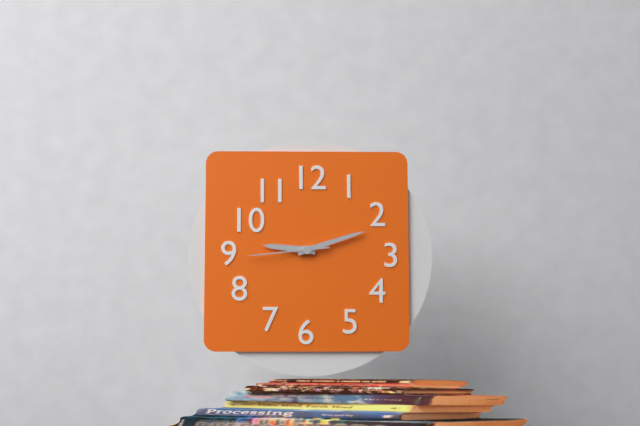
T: 9 h 12 min 44 s
